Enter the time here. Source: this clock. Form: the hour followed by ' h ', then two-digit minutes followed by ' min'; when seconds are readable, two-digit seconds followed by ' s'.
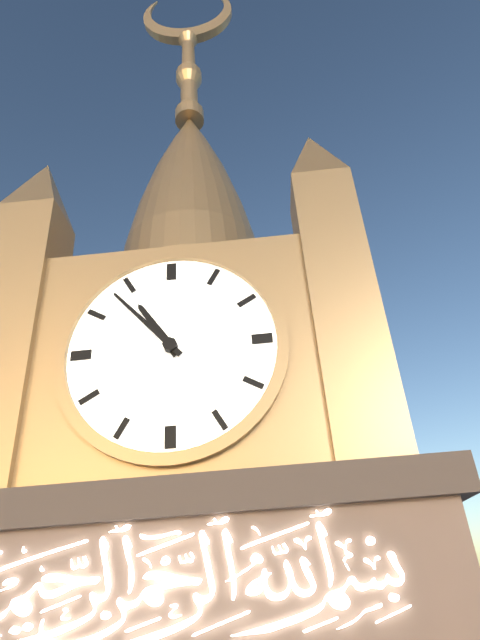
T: 10 h 53 min
